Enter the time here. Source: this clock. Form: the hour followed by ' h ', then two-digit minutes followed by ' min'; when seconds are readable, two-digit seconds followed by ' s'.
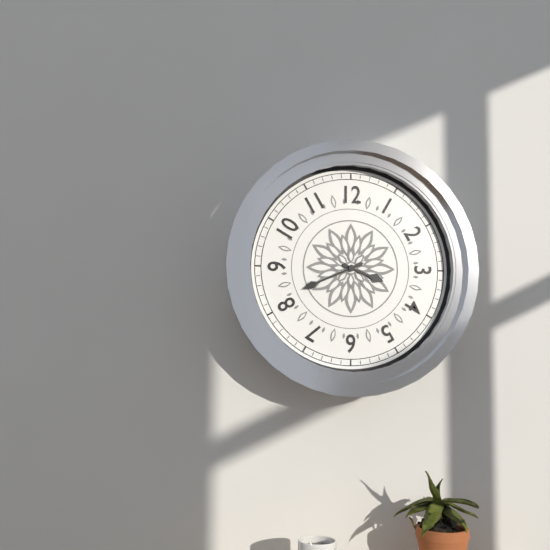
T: 3 h 41 min
